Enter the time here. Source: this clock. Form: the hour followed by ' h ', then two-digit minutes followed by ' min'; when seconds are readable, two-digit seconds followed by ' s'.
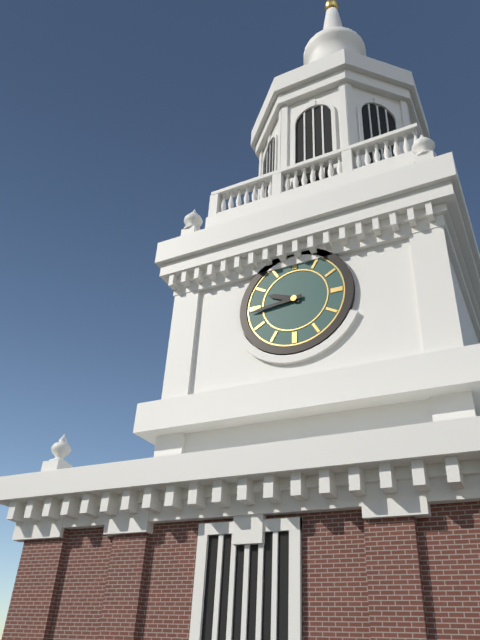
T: 9 h 44 min
